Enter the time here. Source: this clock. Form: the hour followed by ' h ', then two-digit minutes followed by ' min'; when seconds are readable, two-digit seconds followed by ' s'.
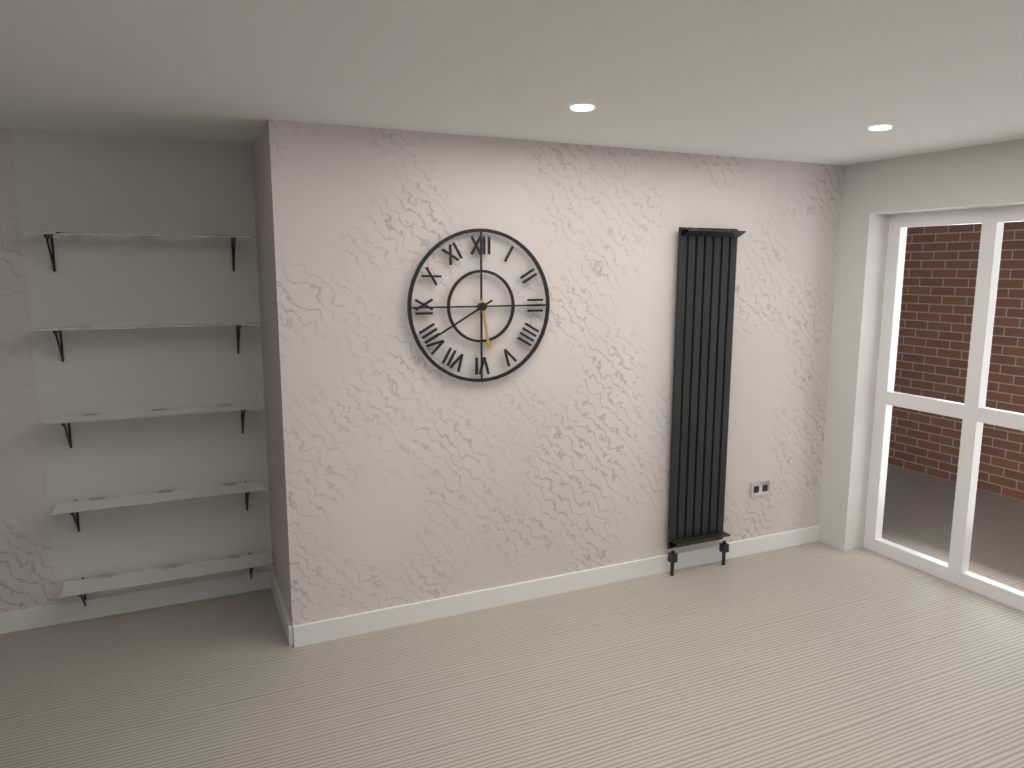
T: 5 h 40 min
